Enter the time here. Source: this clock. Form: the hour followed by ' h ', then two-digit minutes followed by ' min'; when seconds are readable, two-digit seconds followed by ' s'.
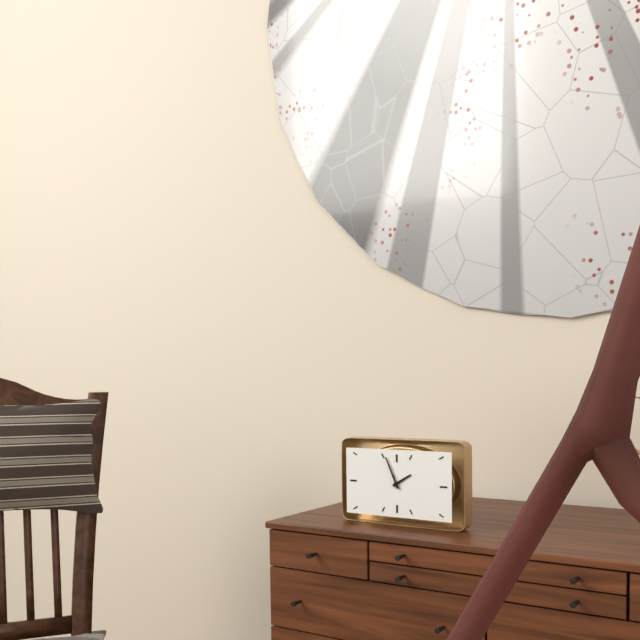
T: 1 h 56 min
